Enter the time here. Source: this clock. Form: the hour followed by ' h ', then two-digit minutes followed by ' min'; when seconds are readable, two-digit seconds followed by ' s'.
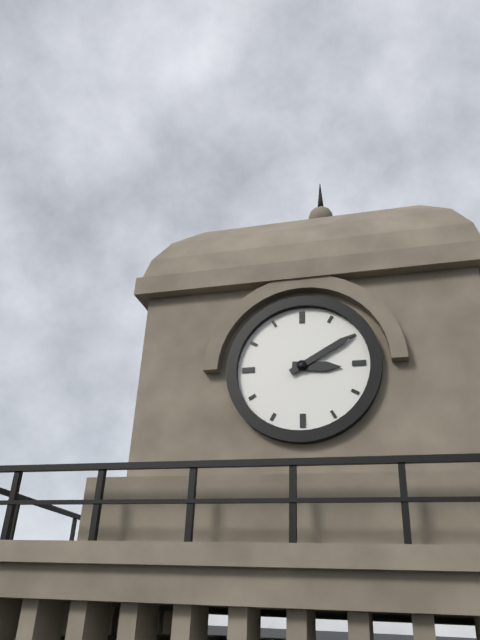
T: 3 h 10 min
